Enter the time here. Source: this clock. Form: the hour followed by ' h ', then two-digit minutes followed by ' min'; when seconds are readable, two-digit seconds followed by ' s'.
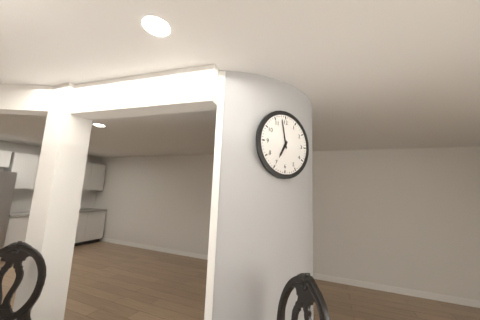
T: 6 h 58 min
